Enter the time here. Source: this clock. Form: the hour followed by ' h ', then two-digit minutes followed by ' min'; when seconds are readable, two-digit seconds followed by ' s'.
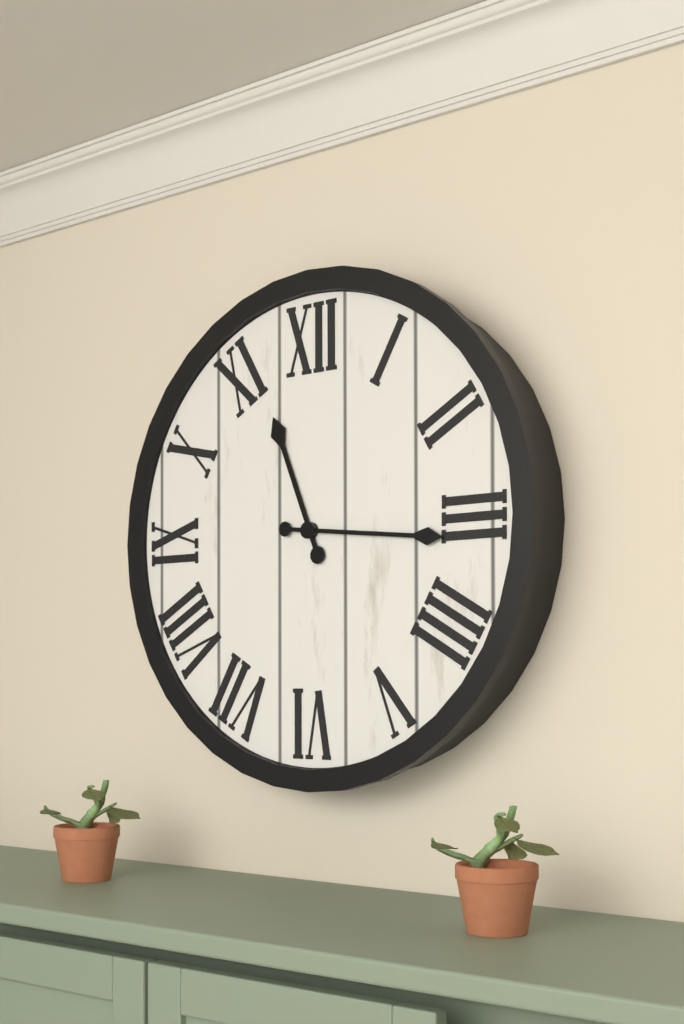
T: 11 h 16 min
